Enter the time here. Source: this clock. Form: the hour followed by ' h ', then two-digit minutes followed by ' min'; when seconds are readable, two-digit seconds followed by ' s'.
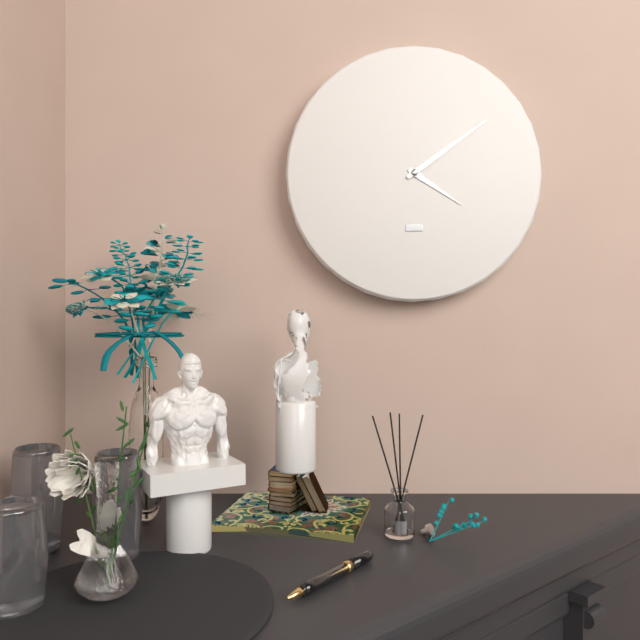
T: 4 h 09 min
